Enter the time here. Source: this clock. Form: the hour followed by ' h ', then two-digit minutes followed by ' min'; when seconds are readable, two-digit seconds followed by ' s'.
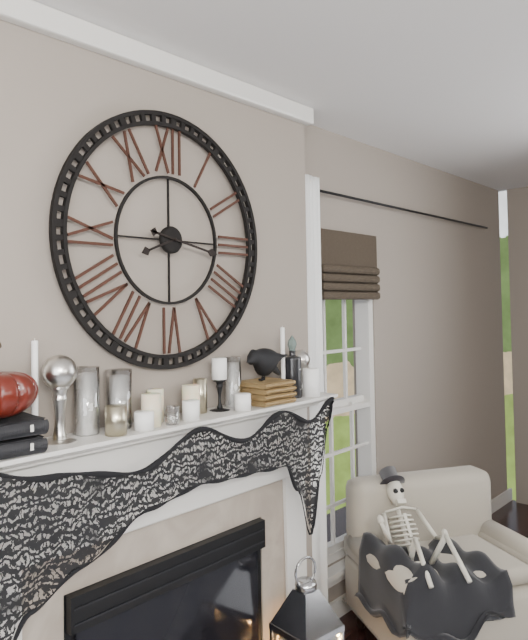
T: 8 h 17 min
